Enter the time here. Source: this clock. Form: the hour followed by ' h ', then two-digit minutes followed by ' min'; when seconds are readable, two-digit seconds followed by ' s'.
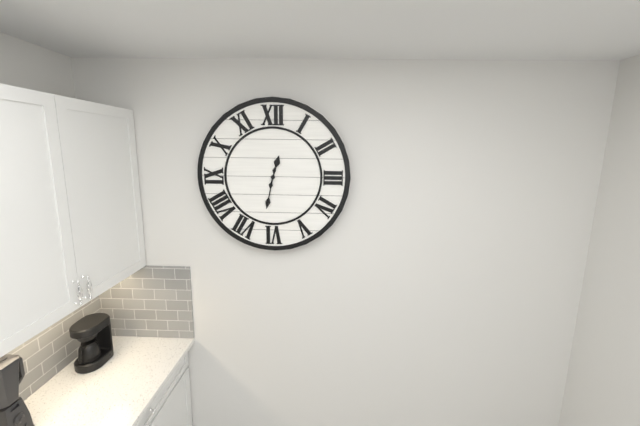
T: 12 h 32 min
